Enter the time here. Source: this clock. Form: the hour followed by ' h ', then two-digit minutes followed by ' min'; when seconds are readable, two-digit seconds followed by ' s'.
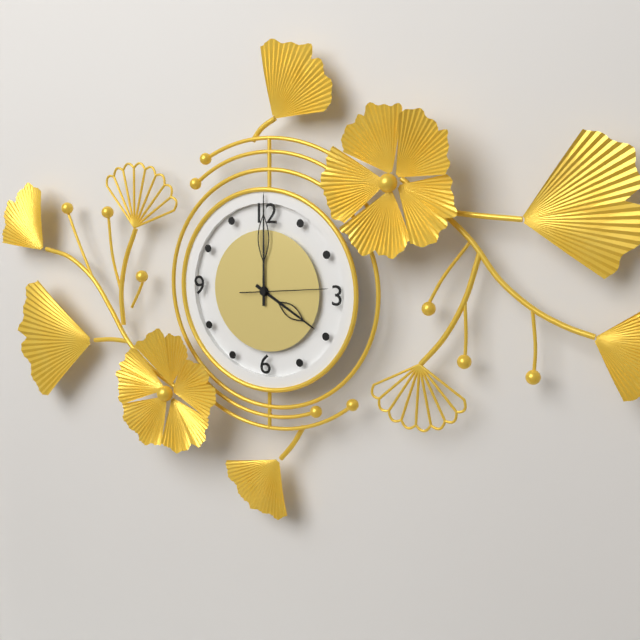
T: 4 h 00 min 14 s
